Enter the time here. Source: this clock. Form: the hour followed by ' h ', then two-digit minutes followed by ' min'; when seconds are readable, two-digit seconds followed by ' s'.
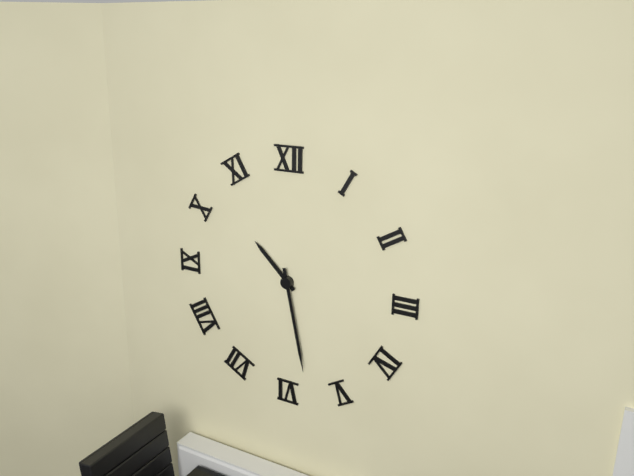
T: 10 h 28 min
